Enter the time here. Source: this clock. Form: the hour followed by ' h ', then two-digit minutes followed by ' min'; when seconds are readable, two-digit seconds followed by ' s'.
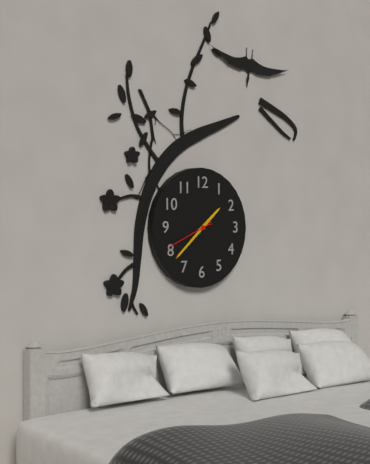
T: 1 h 38 min
